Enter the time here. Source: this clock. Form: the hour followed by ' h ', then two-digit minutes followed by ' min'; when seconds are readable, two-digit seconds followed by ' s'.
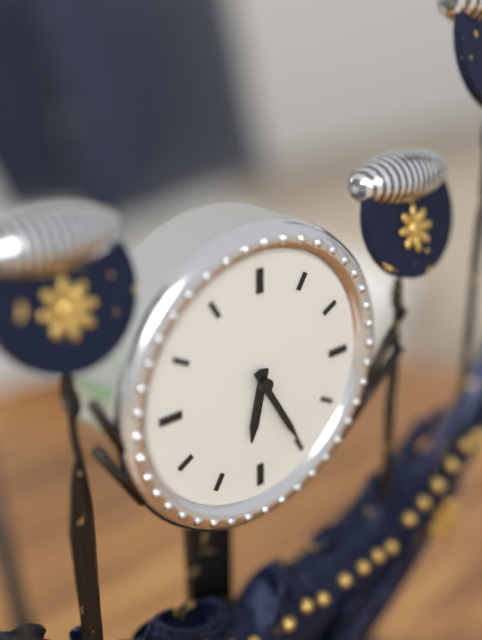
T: 6 h 25 min
